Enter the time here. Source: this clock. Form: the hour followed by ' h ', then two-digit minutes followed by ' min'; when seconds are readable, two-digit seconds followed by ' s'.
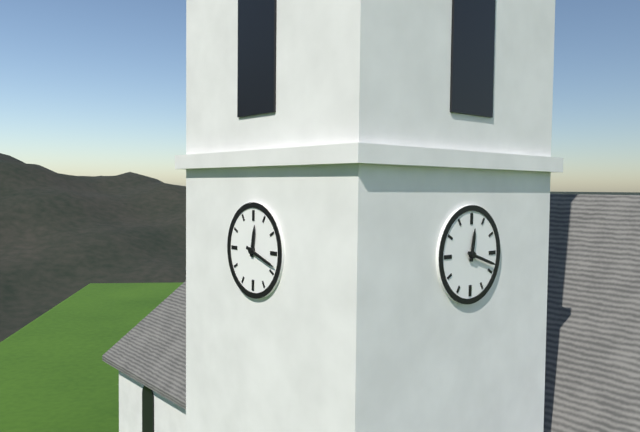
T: 12 h 18 min
